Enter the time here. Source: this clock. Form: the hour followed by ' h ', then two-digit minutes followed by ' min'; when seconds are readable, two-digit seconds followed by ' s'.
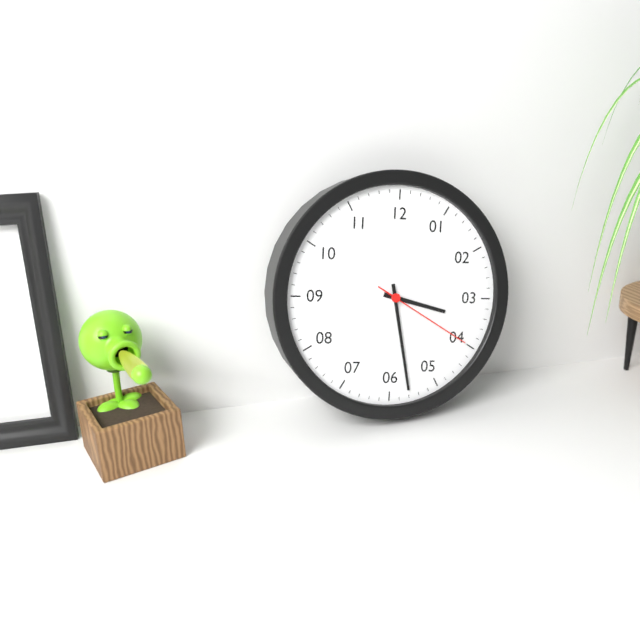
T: 3 h 28 min 20 s
